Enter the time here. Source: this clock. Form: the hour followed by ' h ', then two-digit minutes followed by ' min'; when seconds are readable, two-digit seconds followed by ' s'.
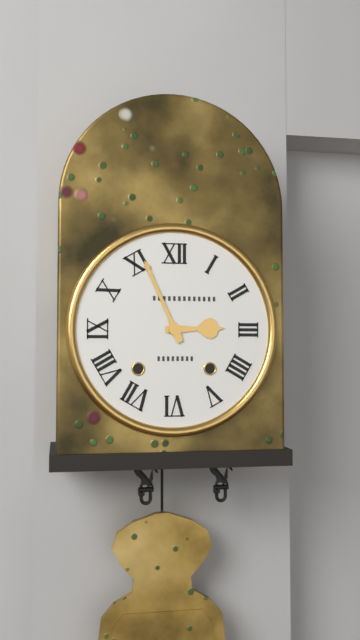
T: 2 h 56 min
